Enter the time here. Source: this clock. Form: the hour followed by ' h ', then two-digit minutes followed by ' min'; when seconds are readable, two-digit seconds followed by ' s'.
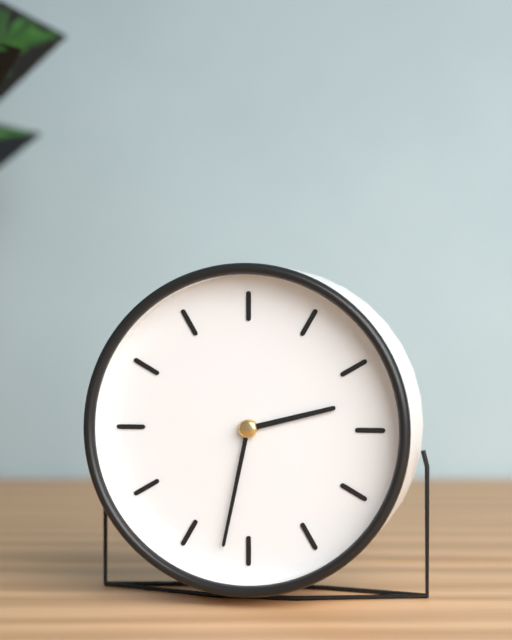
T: 2 h 32 min
